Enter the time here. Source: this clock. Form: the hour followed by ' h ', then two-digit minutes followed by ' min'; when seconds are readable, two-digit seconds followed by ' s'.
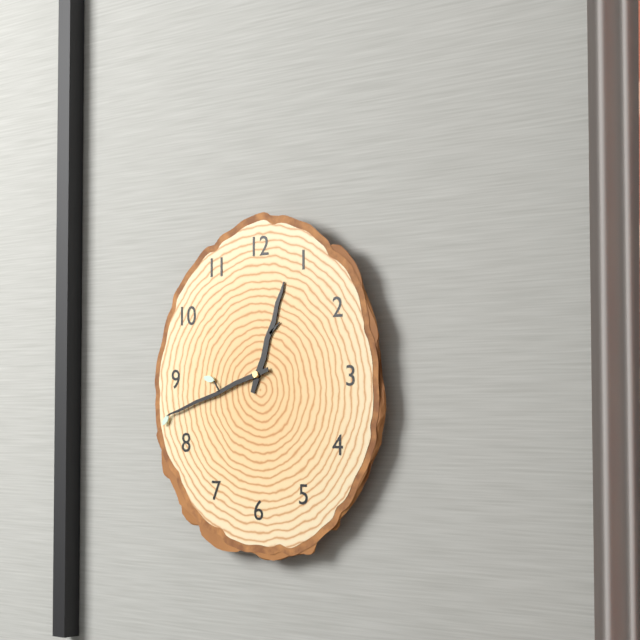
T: 12 h 42 min
